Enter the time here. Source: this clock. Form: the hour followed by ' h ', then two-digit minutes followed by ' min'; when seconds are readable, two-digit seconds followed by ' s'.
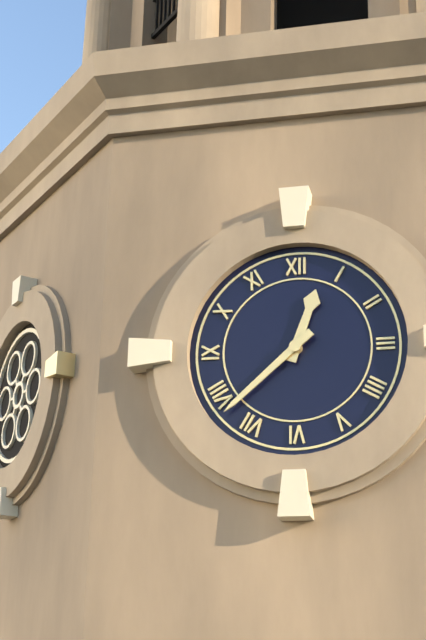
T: 12 h 38 min
